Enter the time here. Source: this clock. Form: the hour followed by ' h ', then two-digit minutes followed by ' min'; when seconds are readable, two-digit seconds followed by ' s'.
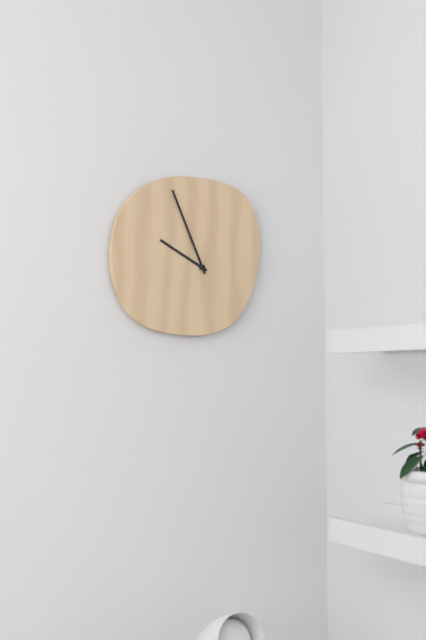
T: 9 h 56 min
